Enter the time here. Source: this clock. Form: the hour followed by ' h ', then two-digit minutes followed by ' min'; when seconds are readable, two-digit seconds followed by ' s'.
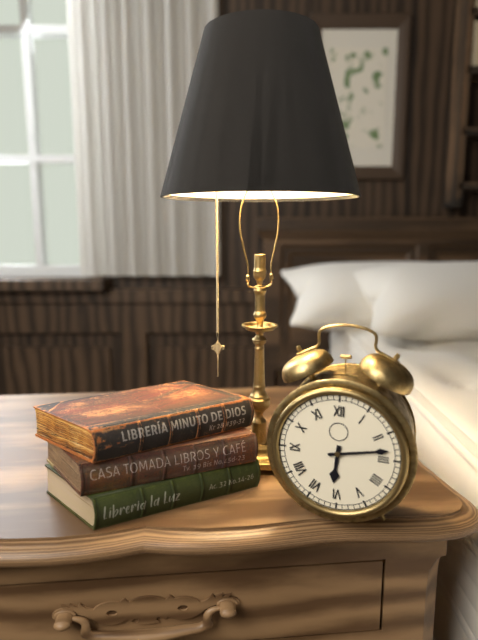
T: 6 h 13 min
